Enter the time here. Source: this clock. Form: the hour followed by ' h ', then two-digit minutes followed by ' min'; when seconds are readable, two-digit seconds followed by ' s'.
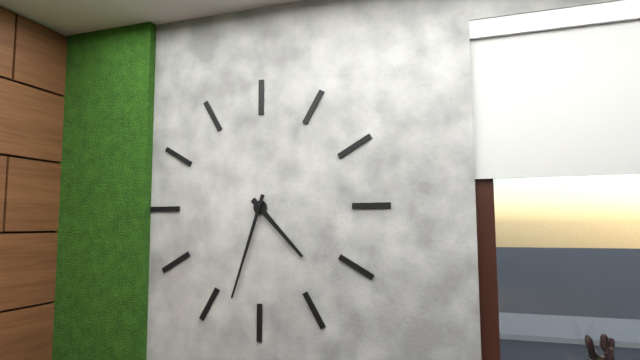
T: 4 h 33 min
